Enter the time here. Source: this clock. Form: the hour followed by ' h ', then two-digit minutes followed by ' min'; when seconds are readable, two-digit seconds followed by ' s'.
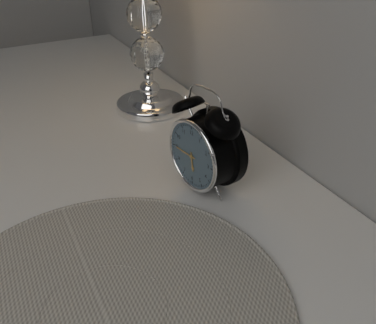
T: 5 h 45 min
